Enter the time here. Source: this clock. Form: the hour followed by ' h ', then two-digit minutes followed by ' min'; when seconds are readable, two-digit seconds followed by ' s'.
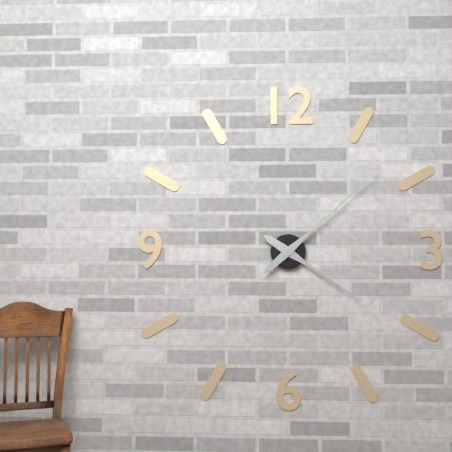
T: 4 h 08 min
